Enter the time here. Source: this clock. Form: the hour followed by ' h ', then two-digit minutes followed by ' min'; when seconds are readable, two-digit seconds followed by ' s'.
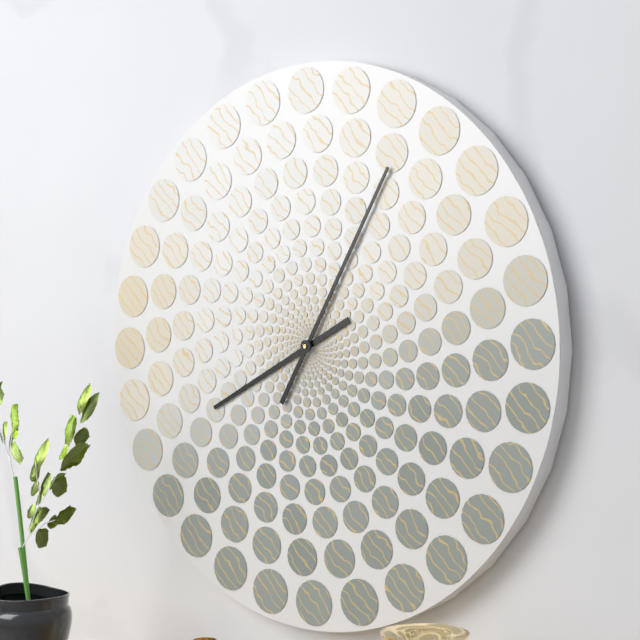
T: 8 h 05 min
